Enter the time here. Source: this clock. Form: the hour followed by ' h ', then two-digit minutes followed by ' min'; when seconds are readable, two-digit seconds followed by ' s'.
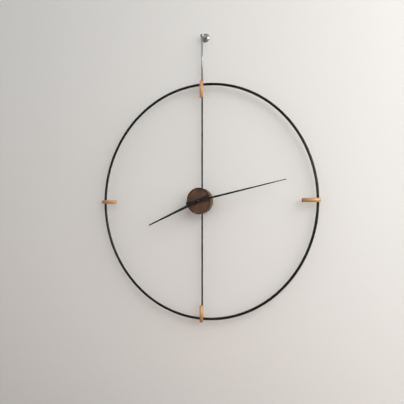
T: 8 h 13 min
